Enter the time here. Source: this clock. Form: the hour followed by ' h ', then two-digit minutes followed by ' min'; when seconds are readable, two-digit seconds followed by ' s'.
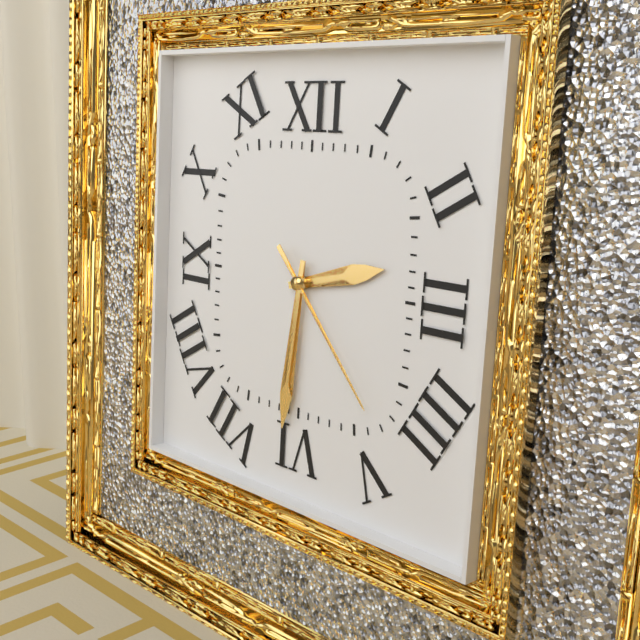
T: 2 h 31 min 23 s
